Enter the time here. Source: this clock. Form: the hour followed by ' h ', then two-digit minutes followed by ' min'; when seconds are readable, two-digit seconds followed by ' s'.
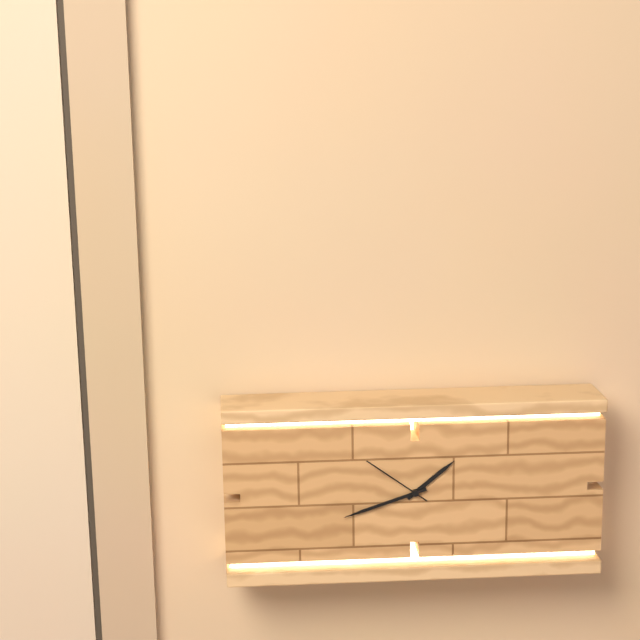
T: 1 h 42 min 51 s
